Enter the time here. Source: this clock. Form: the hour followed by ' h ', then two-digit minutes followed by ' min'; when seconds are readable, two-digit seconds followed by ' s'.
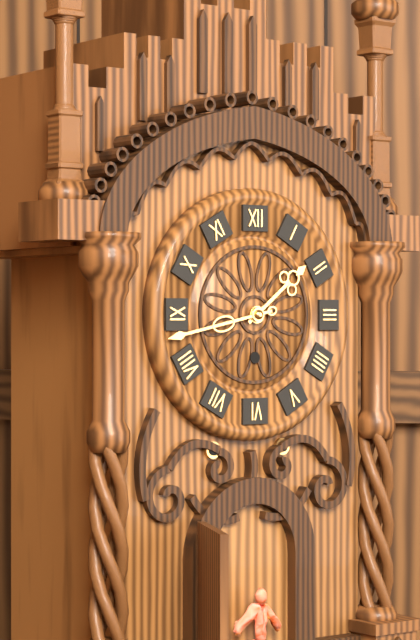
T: 1 h 43 min
